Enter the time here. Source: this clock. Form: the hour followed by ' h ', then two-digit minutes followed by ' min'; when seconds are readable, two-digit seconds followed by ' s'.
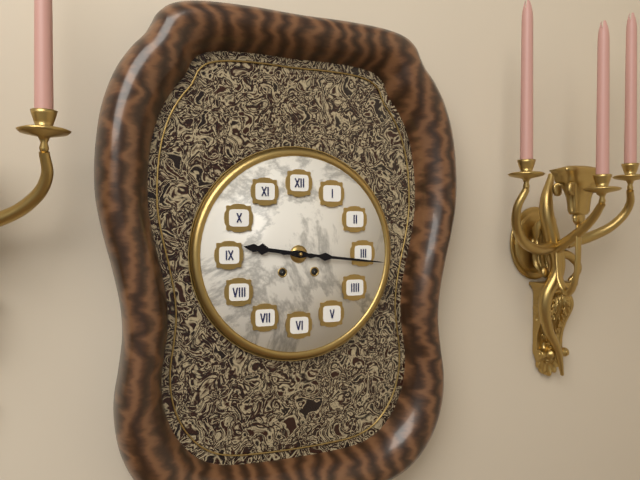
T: 9 h 16 min
